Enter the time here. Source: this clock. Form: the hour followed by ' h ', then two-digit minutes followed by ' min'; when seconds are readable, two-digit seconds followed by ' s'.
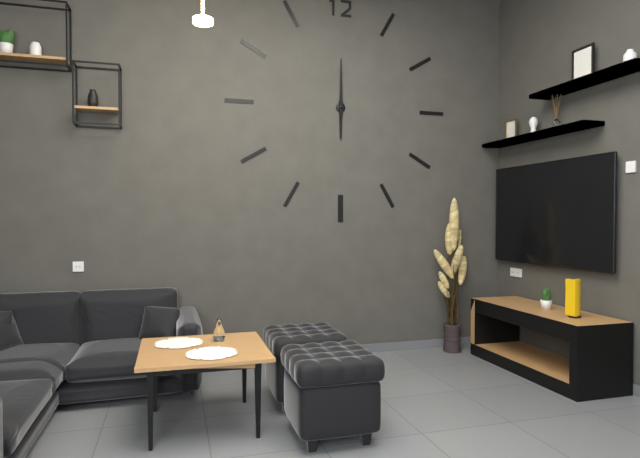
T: 6 h 00 min
